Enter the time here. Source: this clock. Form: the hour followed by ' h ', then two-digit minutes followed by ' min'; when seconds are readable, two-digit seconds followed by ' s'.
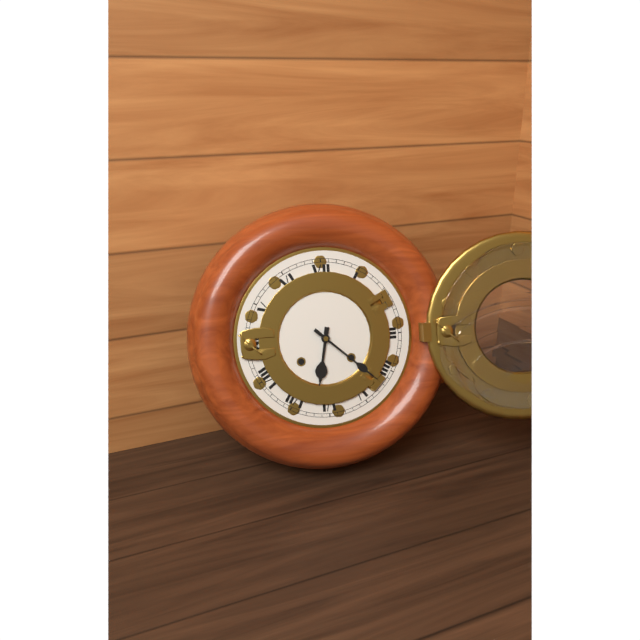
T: 6 h 22 min
